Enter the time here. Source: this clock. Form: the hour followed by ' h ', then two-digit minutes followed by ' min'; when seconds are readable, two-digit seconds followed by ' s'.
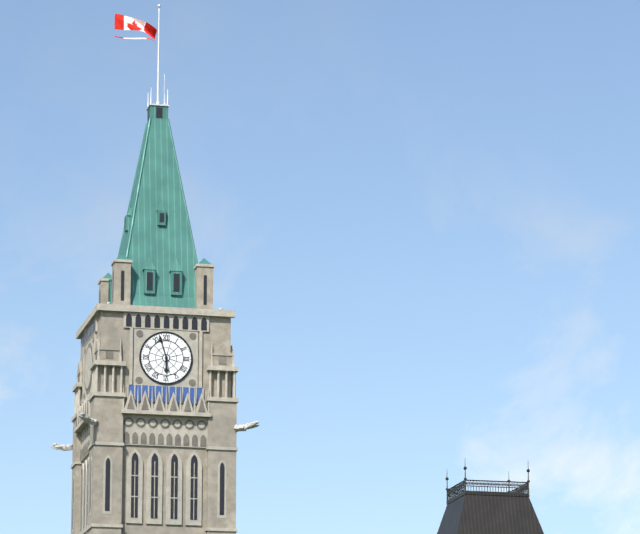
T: 5 h 57 min
